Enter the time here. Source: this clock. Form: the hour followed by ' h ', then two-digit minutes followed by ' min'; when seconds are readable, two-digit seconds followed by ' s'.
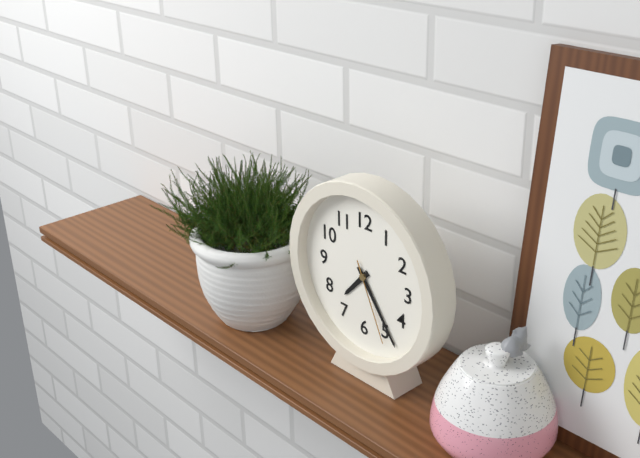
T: 7 h 24 min 26 s
